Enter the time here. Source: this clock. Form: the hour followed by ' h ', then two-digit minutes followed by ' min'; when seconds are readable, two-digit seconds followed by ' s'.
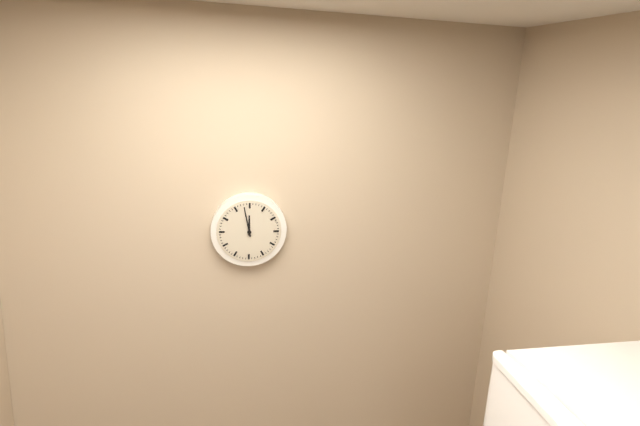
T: 11 h 58 min
